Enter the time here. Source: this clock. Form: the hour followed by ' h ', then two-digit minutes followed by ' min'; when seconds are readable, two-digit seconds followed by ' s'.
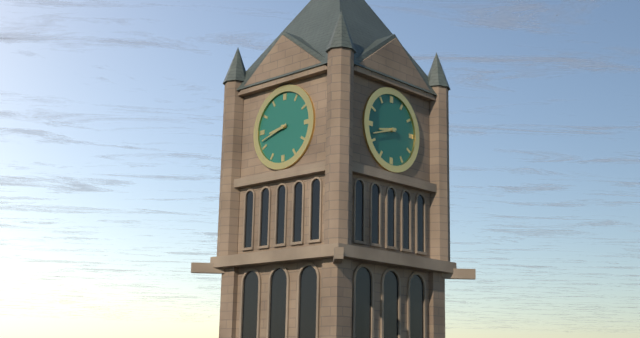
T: 8 h 42 min
